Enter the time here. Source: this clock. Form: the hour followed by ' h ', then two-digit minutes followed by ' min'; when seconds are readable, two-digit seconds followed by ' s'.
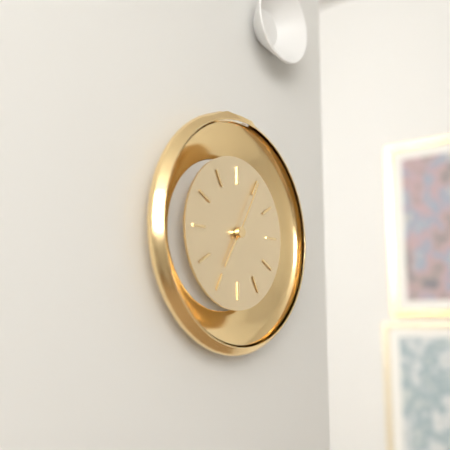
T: 7 h 05 min
